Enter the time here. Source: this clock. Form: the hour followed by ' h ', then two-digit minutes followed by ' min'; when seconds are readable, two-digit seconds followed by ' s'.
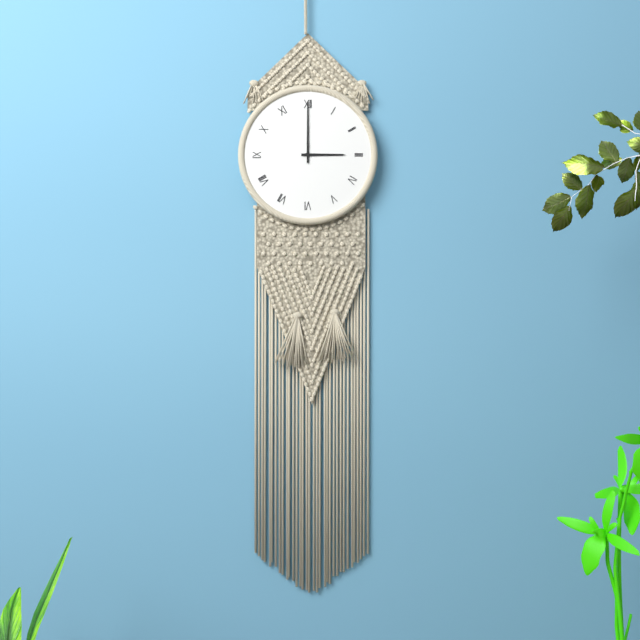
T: 3 h 00 min
